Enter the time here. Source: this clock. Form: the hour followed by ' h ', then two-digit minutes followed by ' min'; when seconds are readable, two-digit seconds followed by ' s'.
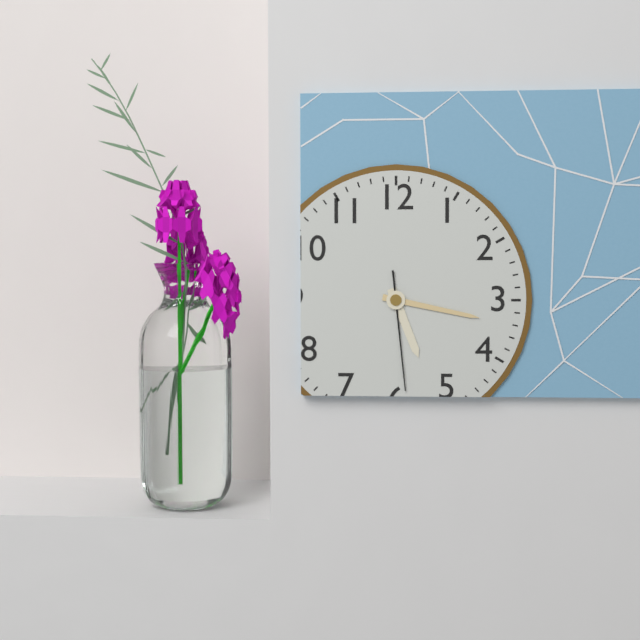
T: 5 h 17 min 29 s
